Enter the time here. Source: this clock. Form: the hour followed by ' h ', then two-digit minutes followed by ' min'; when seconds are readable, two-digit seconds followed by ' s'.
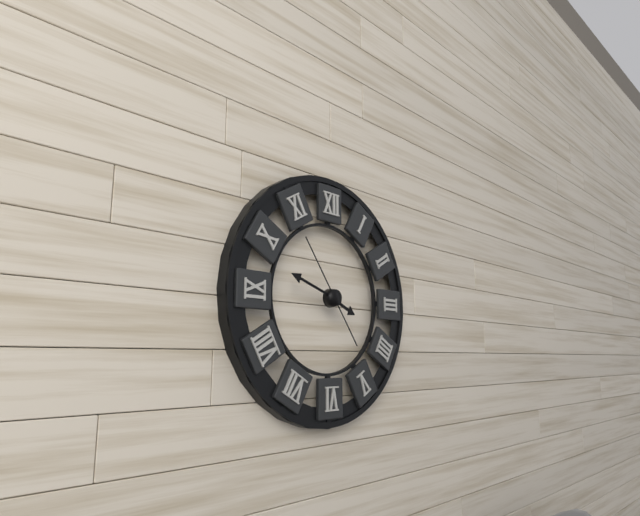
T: 3 h 48 min 54 s
